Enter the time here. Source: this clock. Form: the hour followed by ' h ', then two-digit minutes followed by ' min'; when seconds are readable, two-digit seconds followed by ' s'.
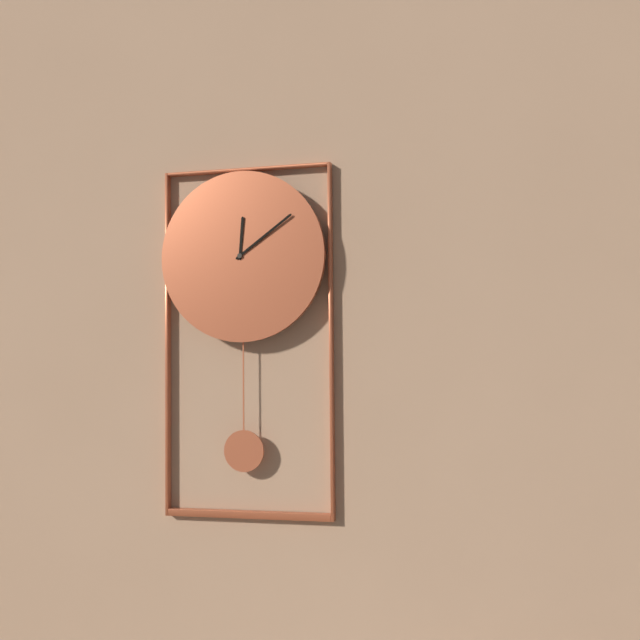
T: 12 h 09 min
